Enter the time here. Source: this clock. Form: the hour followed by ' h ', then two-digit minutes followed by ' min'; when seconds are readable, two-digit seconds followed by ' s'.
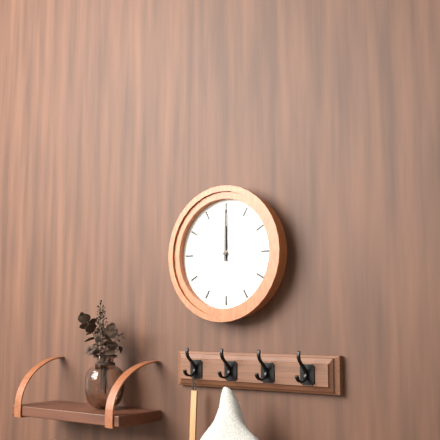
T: 12 h 00 min 38 s
